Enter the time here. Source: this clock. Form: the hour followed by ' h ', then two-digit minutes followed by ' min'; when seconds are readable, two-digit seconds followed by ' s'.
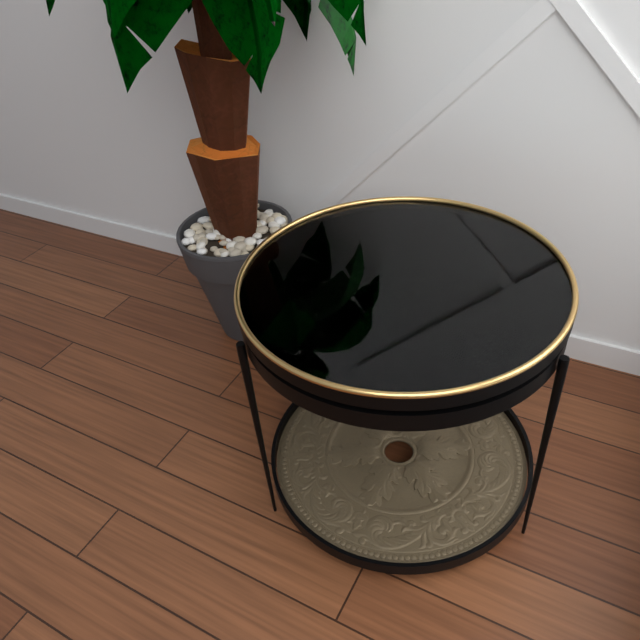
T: 4 h 00 min
